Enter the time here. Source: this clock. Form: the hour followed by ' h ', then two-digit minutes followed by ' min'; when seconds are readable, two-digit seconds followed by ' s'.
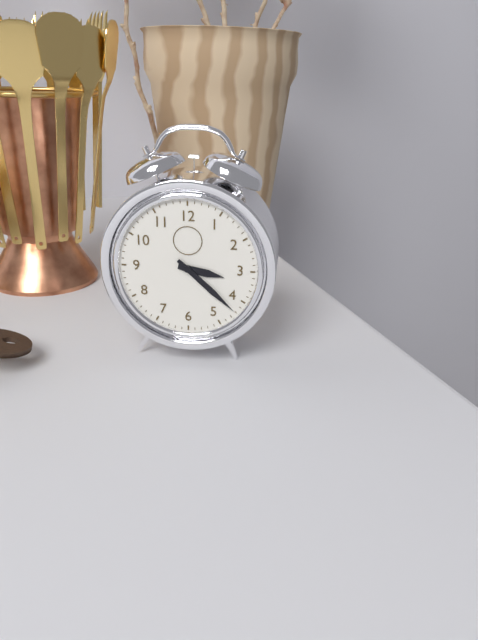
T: 3 h 22 min
